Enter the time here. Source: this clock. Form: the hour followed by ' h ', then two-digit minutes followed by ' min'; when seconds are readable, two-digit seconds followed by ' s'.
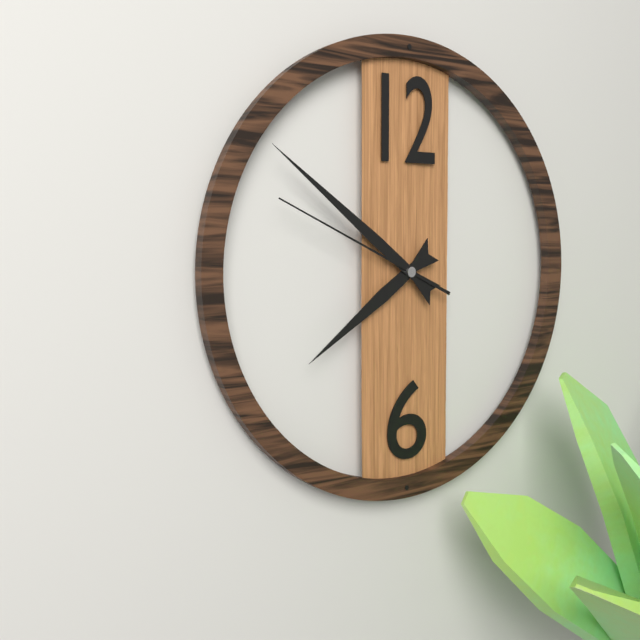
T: 7 h 51 min 49 s
